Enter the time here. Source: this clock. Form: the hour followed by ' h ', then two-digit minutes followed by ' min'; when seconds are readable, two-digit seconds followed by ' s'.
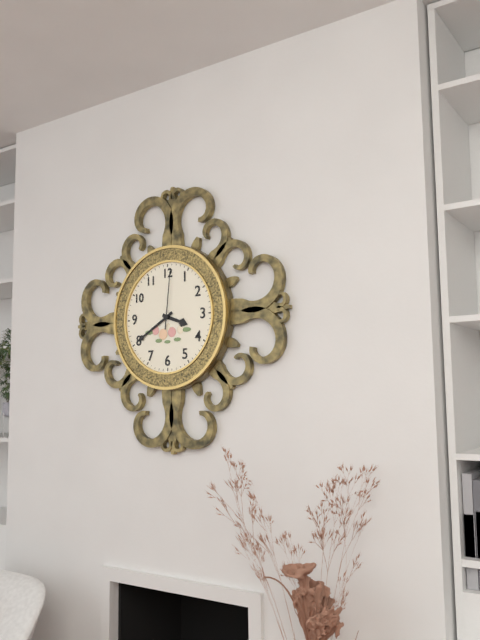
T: 3 h 40 min 01 s
